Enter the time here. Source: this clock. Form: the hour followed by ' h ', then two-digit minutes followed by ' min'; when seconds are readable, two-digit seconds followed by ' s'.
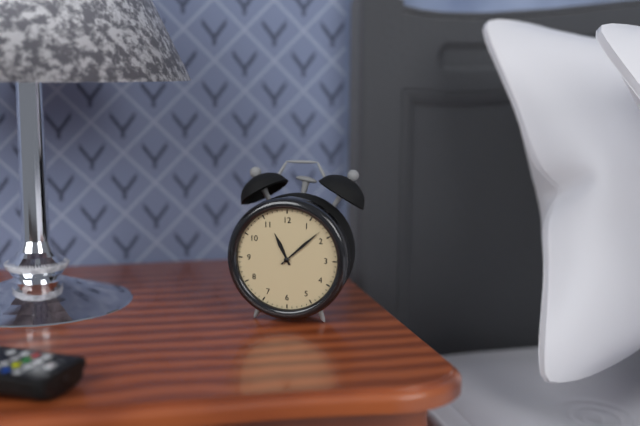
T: 11 h 08 min
